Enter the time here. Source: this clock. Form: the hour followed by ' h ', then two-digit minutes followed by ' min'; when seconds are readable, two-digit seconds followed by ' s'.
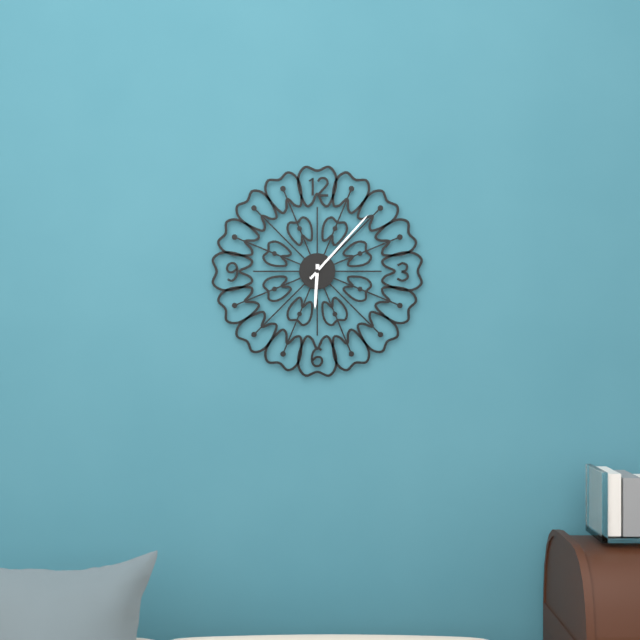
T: 6 h 07 min
